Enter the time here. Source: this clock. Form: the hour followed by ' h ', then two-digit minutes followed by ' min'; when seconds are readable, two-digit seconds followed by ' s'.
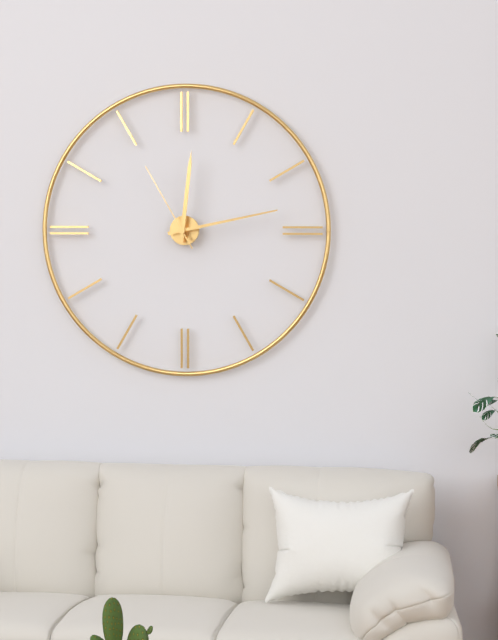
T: 12 h 13 min 55 s
